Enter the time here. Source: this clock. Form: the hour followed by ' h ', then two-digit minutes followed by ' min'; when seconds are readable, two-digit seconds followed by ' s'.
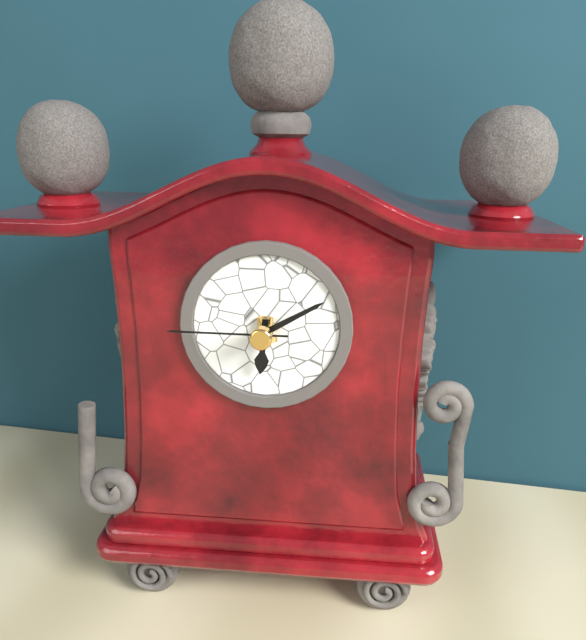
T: 6 h 10 min 45 s
